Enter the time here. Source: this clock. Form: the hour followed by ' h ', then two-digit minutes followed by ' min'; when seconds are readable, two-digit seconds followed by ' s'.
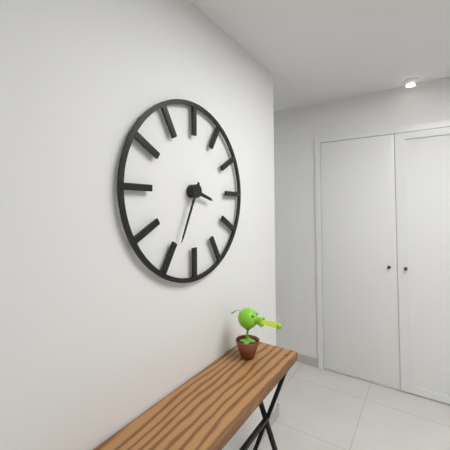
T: 3 h 34 min
